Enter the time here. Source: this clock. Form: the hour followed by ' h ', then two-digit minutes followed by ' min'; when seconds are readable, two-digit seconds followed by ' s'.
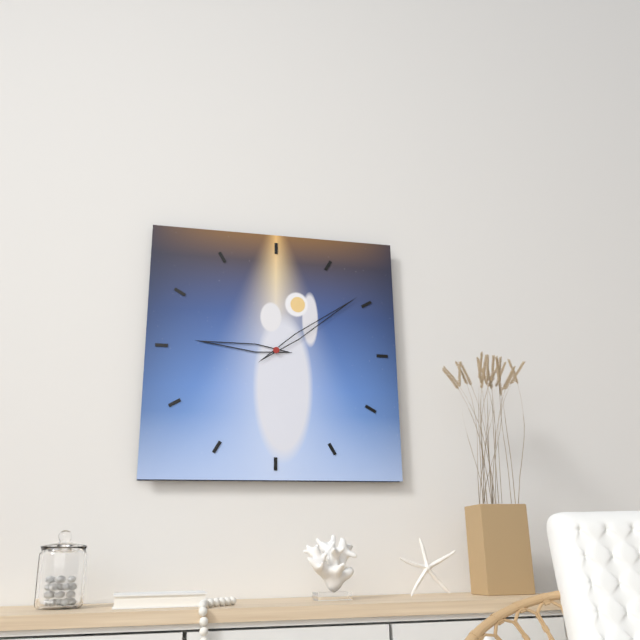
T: 9 h 09 min
